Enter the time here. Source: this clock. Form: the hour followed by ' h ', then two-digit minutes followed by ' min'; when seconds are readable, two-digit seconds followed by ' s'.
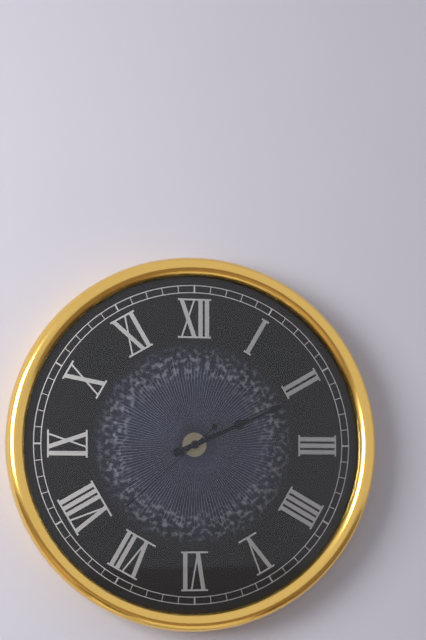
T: 2 h 11 min 38 s
